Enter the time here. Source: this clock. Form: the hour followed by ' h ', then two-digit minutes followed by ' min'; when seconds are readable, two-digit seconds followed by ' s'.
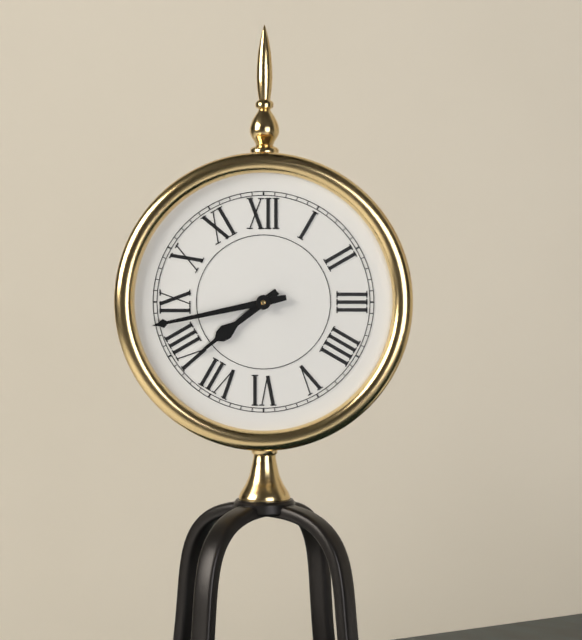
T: 7 h 43 min
